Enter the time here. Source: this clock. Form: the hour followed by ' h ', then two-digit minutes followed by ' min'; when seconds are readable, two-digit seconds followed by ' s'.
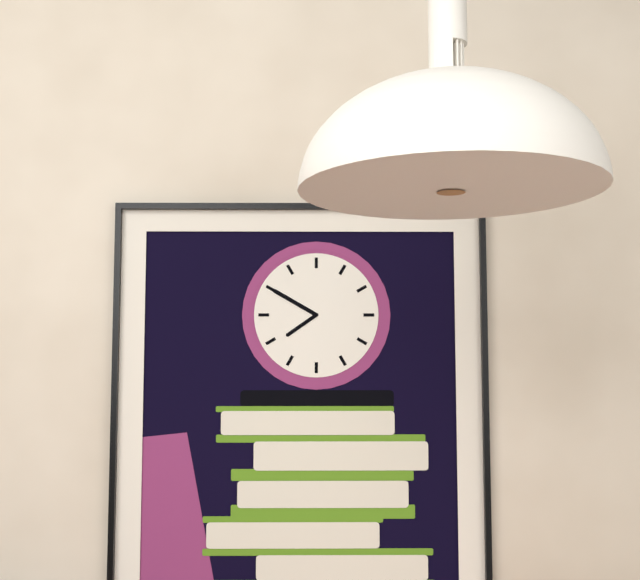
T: 7 h 50 min
